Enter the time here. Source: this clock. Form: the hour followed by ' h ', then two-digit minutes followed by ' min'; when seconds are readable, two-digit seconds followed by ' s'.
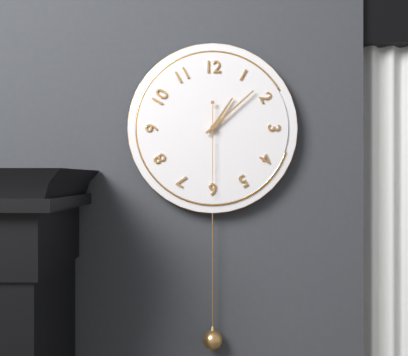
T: 1 h 08 min 30 s
